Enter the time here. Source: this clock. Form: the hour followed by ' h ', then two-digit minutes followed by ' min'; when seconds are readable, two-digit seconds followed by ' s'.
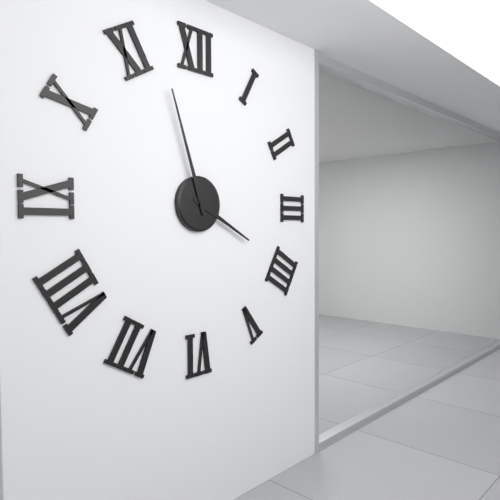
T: 3 h 57 min
